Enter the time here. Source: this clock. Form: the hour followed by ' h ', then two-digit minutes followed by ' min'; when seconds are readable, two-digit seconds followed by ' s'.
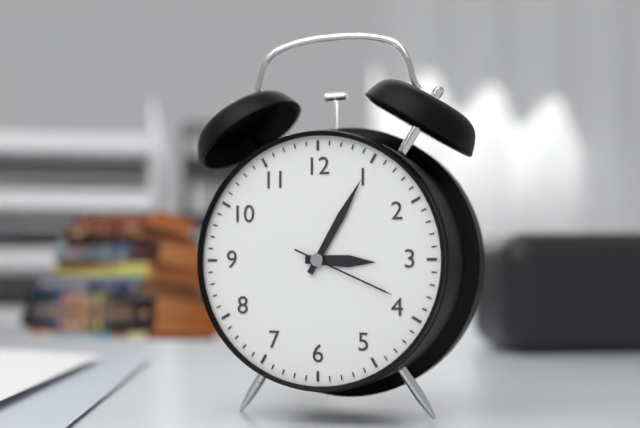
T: 3 h 05 min 19 s
